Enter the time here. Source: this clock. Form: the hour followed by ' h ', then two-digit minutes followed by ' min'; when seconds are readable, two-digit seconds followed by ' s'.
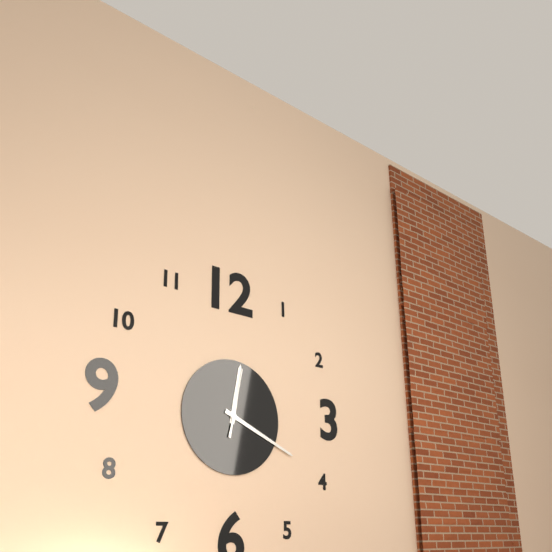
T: 12 h 19 min 02 s
